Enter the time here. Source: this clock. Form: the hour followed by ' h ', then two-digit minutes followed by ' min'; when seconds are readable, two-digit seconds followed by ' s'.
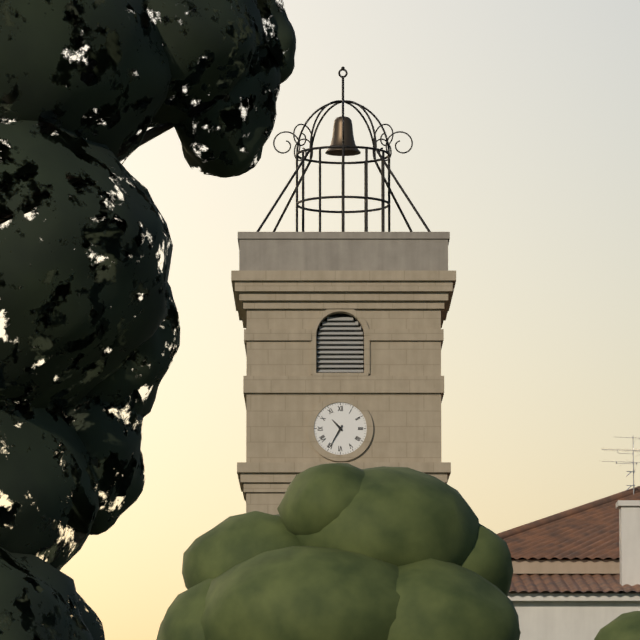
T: 10 h 35 min
